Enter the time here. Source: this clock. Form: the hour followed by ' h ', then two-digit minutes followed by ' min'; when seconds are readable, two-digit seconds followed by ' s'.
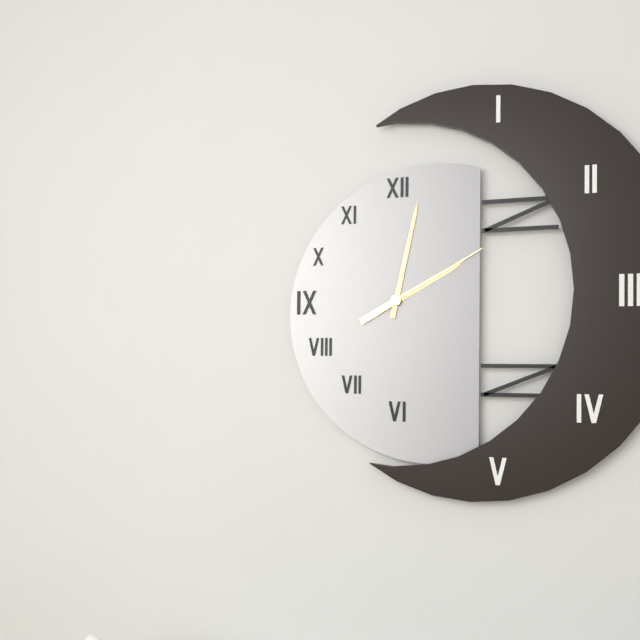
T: 2 h 02 min 10 s
